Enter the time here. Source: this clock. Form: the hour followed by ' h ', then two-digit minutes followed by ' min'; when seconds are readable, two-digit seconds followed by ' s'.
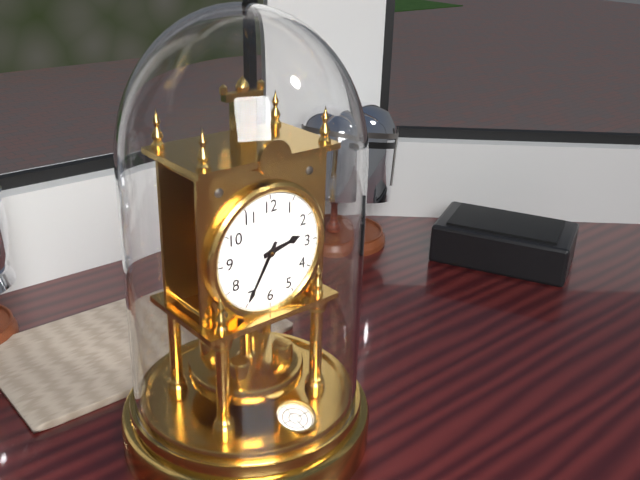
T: 2 h 35 min
